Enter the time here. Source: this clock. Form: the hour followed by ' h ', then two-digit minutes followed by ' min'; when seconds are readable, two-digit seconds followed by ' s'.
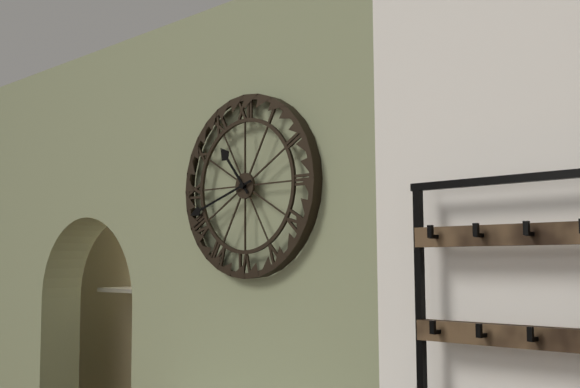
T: 10 h 42 min
